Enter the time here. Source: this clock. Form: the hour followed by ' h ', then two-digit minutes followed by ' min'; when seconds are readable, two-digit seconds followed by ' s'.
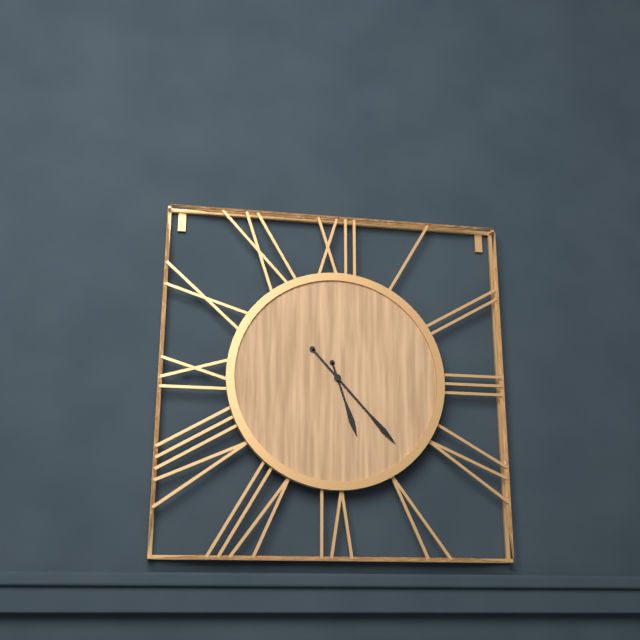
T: 5 h 23 min
